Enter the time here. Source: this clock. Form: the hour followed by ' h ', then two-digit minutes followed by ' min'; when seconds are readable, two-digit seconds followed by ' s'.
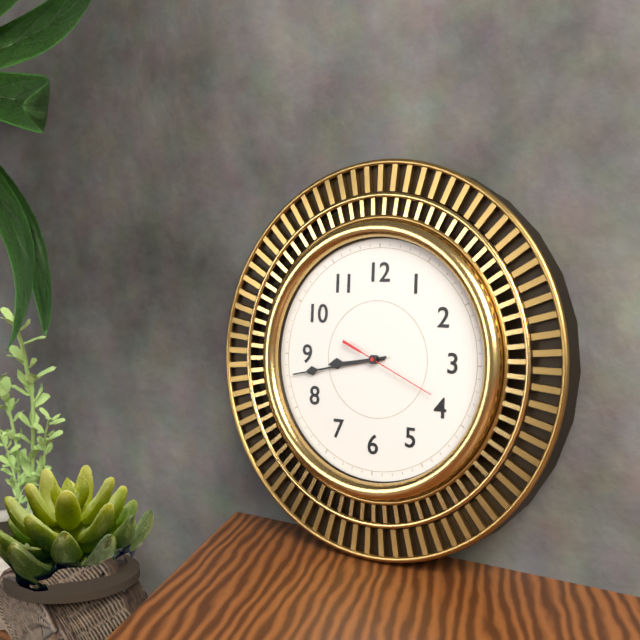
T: 8 h 43 min 19 s
